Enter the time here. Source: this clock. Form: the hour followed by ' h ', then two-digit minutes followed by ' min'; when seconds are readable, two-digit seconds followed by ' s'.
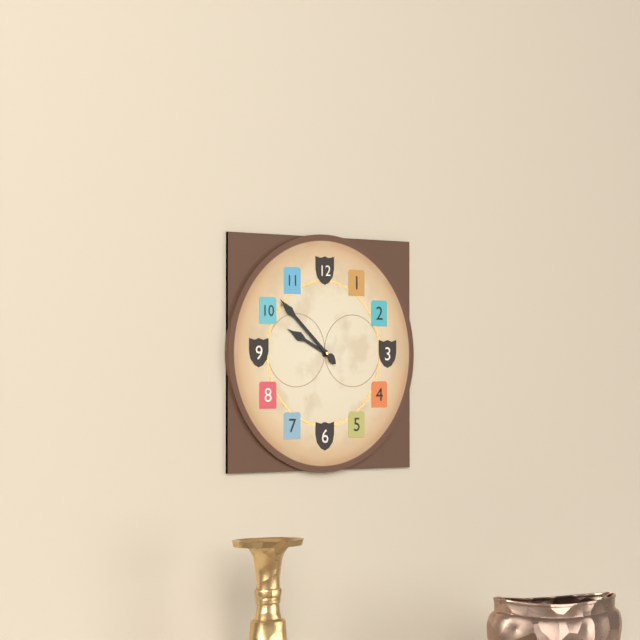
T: 9 h 52 min
